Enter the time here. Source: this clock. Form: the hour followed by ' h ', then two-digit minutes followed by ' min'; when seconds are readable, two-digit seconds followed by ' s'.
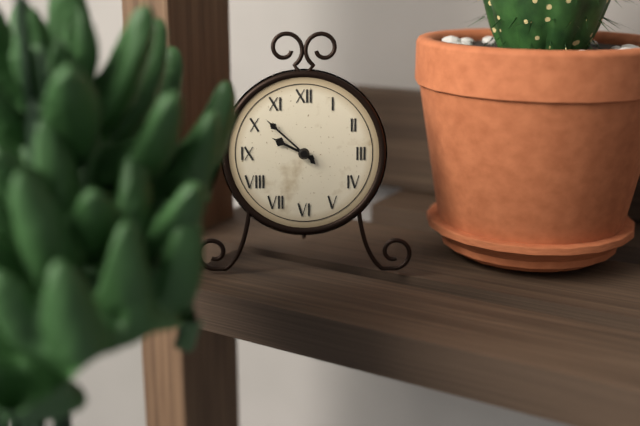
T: 9 h 52 min
